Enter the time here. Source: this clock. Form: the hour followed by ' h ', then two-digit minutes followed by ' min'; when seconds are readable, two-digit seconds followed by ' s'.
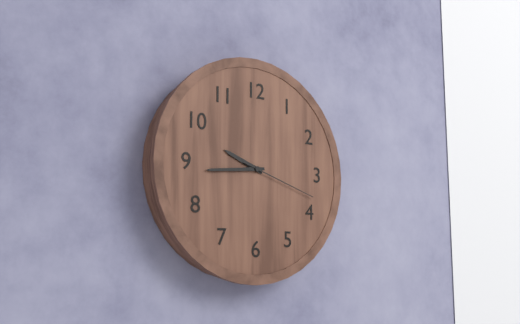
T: 9 h 44 min 18 s
